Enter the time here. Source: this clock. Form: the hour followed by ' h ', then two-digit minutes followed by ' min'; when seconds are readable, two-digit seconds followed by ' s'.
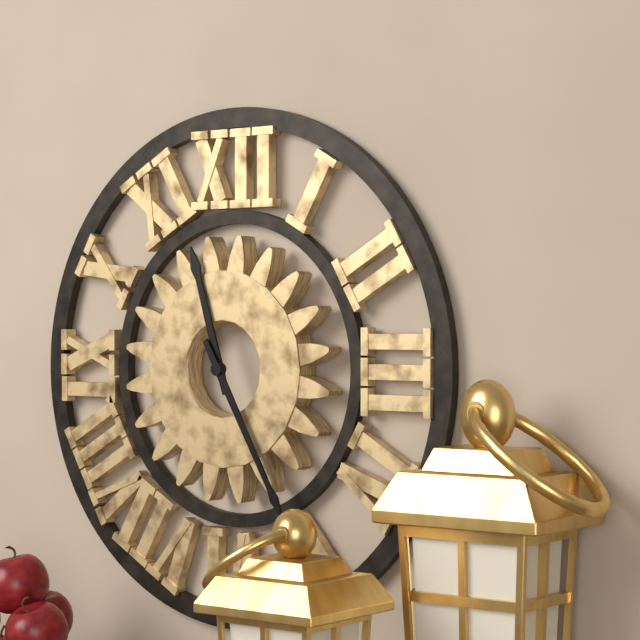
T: 11 h 25 min
